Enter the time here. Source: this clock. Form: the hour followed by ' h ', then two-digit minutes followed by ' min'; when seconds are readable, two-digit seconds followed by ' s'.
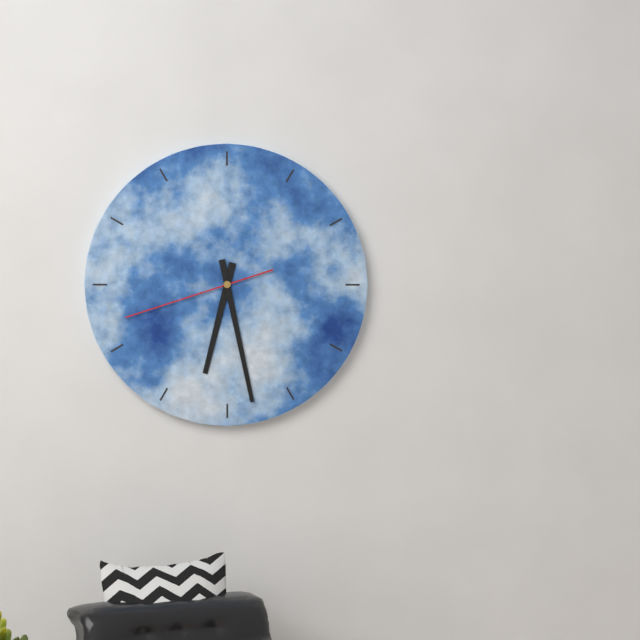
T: 6 h 28 min 42 s
